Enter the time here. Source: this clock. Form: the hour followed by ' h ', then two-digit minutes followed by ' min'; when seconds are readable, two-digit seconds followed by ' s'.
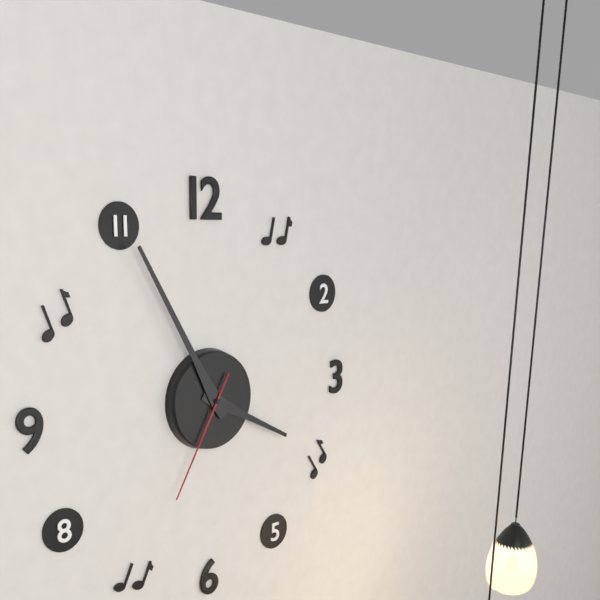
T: 3 h 55 min 35 s
